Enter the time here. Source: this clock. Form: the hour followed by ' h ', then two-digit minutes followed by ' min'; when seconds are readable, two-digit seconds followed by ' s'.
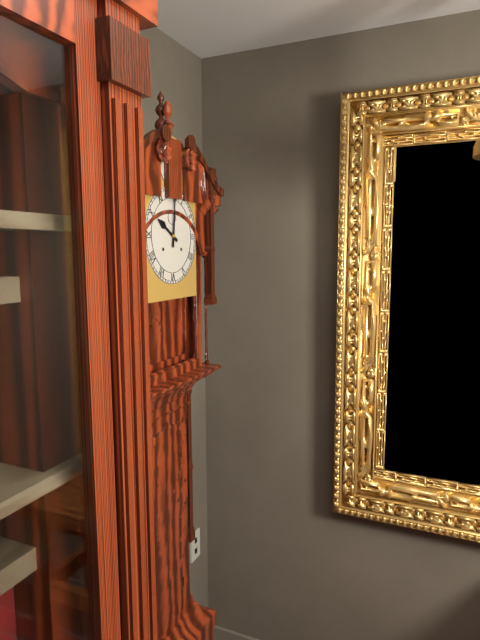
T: 10 h 01 min
